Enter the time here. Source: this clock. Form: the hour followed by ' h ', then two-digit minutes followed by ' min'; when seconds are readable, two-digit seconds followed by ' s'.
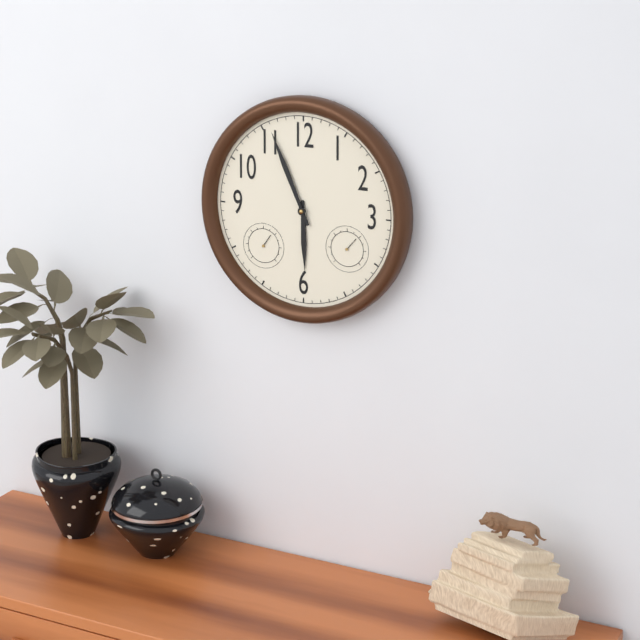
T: 5 h 56 min
